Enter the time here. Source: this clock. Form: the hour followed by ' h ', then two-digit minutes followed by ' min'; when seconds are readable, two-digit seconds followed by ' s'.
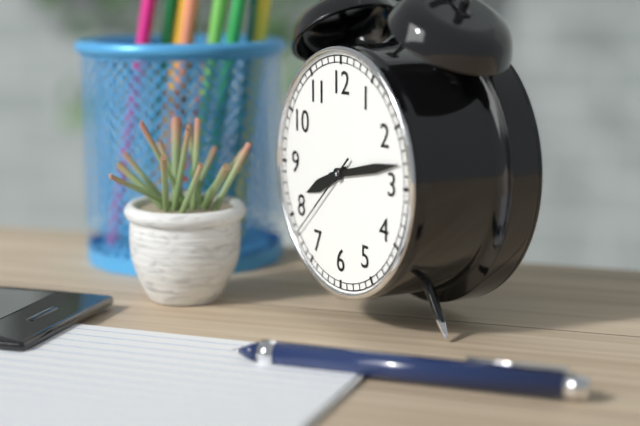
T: 8 h 13 min 38 s
